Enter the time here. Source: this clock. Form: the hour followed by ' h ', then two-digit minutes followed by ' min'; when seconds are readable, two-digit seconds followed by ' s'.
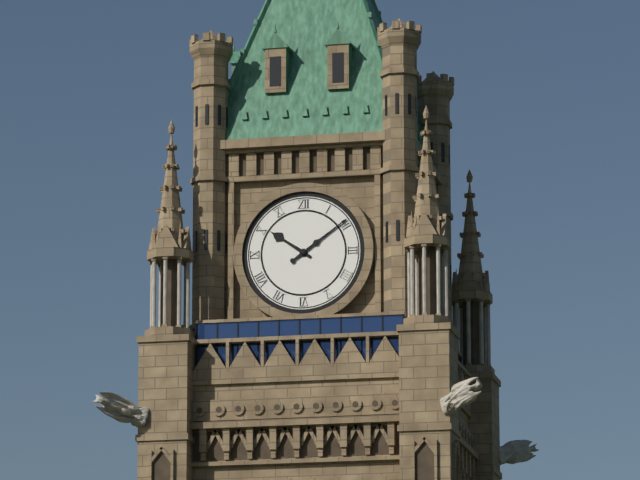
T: 10 h 09 min
